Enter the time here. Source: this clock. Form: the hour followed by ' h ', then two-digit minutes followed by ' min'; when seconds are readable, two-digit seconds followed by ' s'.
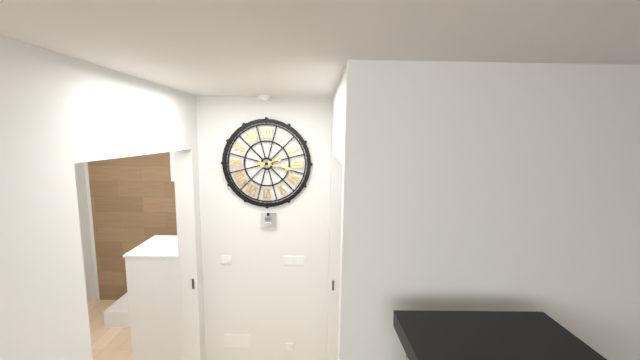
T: 2 h 17 min
